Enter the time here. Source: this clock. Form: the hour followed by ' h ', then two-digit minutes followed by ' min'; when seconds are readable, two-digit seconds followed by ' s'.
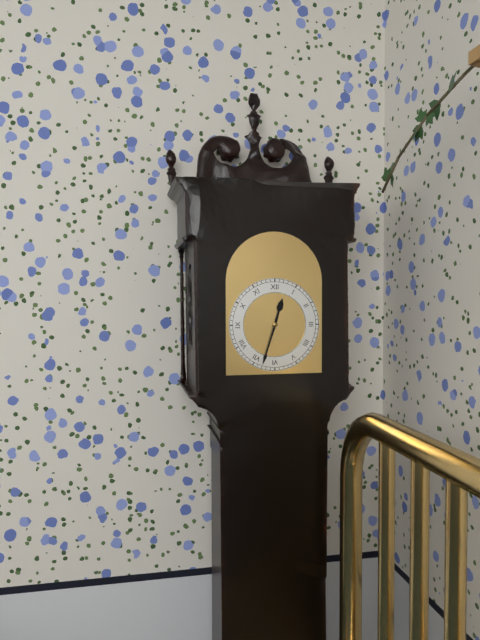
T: 12 h 33 min
